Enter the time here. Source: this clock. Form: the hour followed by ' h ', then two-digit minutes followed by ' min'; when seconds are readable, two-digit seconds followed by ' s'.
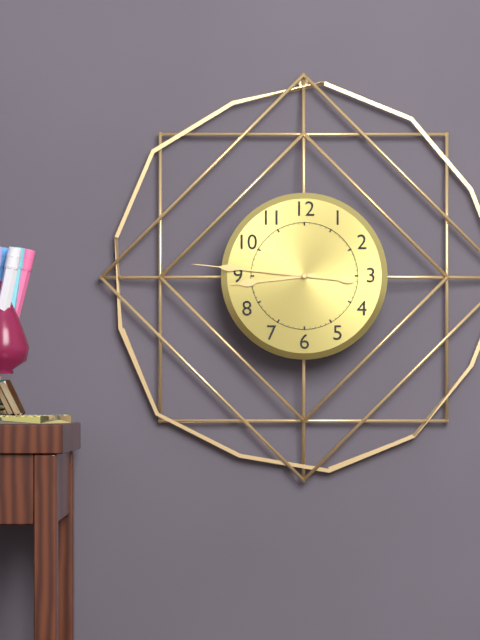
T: 8 h 46 min
